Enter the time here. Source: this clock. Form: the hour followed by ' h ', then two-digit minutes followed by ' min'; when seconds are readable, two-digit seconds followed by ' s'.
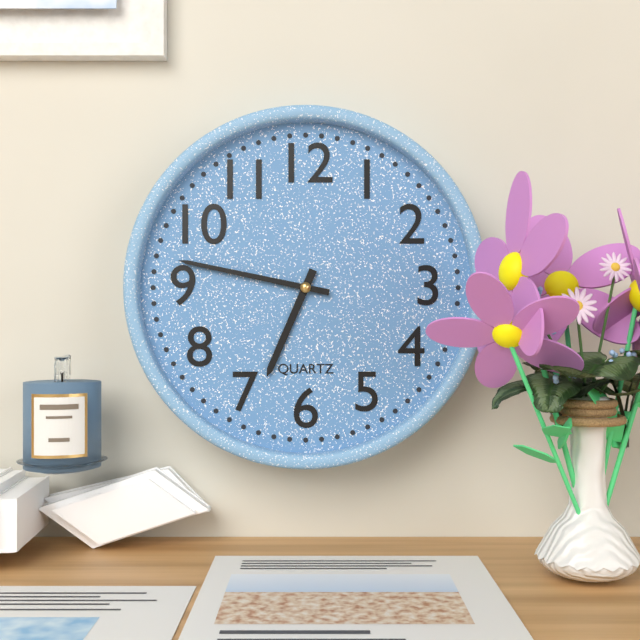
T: 6 h 47 min
